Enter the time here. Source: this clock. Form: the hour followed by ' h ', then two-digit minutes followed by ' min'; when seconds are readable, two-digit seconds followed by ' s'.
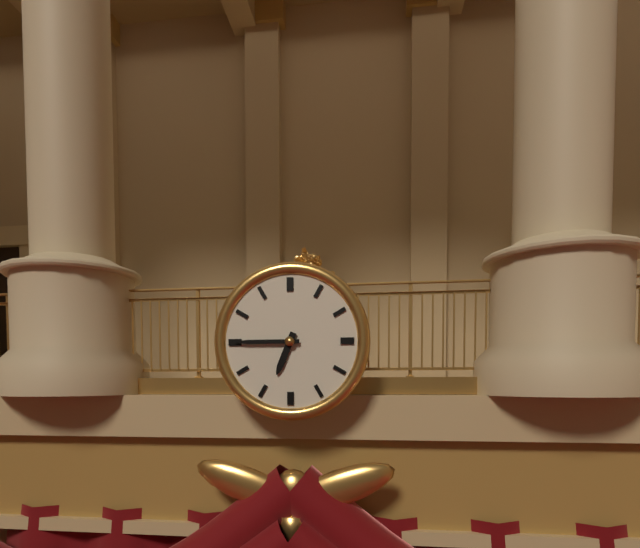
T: 6 h 45 min
